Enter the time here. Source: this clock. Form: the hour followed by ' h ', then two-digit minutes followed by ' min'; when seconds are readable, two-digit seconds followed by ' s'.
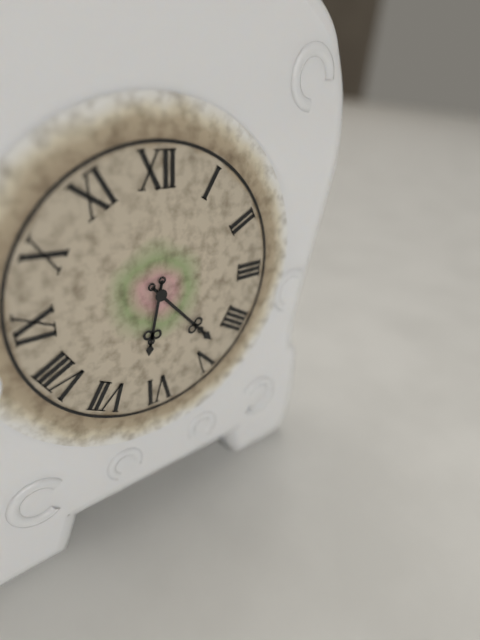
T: 6 h 23 min
